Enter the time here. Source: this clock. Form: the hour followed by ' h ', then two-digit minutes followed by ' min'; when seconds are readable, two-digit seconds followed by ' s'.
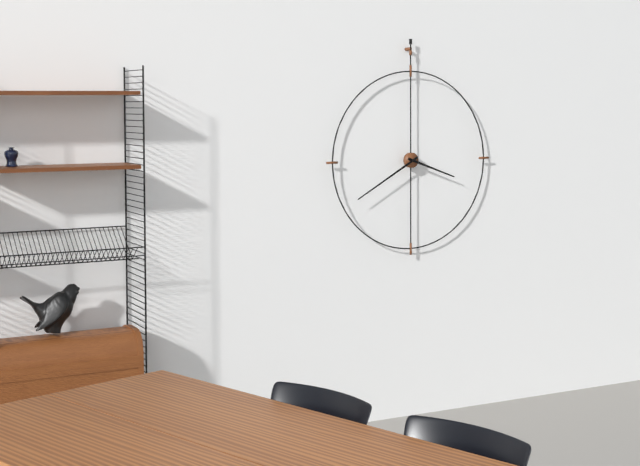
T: 3 h 40 min
